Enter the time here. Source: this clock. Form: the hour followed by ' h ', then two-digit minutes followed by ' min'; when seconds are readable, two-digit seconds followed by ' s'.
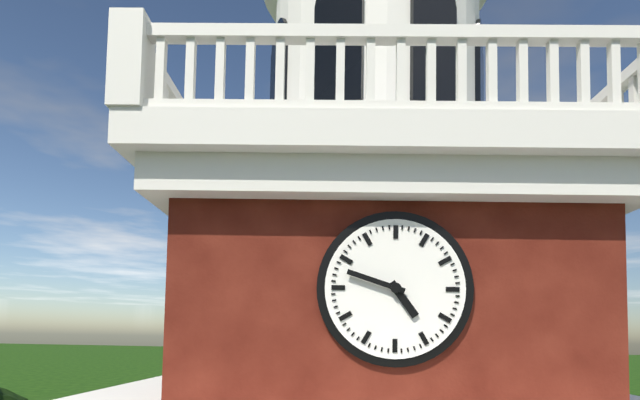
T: 4 h 48 min
